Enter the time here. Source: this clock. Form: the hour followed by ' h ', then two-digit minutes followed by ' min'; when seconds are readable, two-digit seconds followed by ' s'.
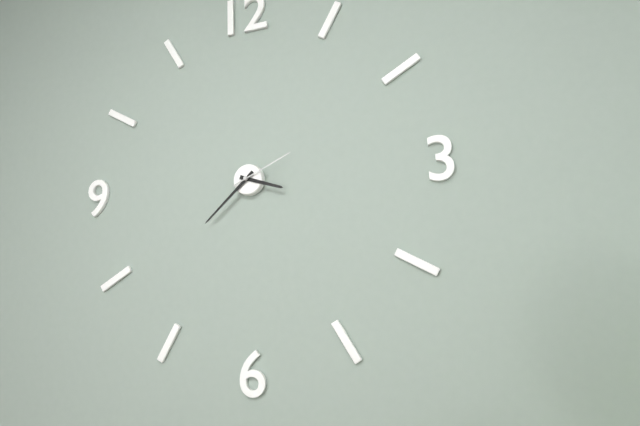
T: 3 h 38 min 11 s
